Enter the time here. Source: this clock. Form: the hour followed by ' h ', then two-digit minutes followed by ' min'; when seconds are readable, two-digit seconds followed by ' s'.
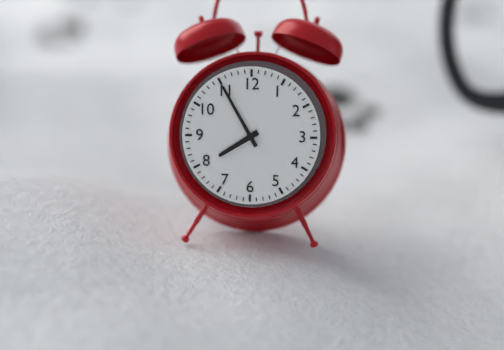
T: 7 h 55 min
